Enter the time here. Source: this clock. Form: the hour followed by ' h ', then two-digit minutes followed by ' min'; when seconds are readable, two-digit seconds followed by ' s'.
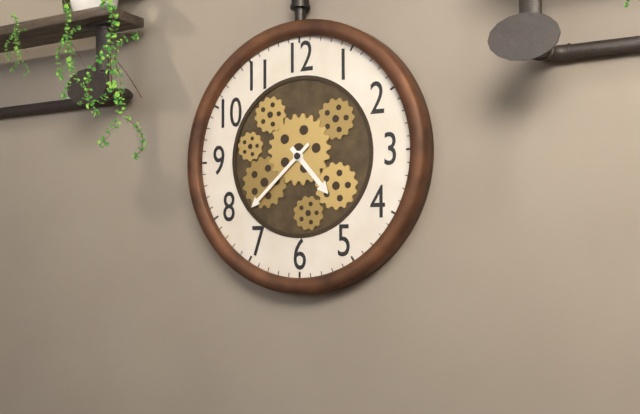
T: 4 h 38 min
